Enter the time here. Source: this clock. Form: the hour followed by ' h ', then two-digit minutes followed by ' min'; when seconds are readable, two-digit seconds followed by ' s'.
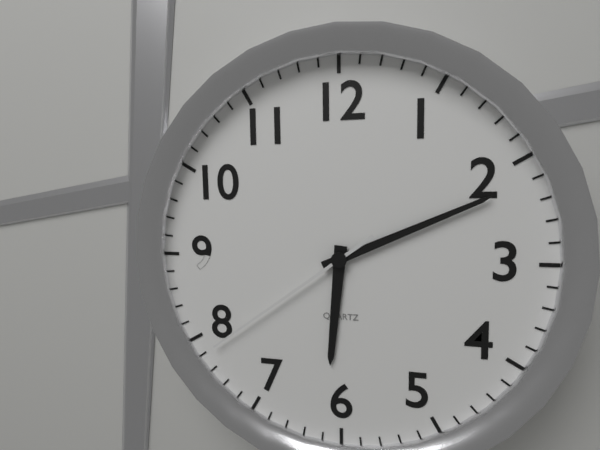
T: 6 h 11 min 39 s
